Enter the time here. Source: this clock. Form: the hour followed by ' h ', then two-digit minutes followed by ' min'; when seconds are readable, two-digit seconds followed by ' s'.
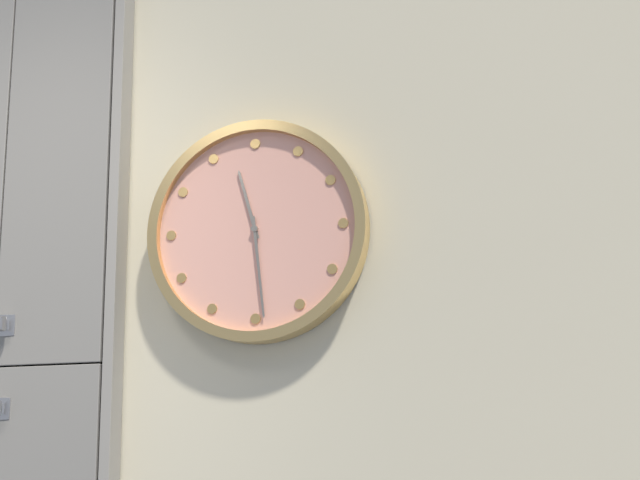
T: 11 h 29 min
